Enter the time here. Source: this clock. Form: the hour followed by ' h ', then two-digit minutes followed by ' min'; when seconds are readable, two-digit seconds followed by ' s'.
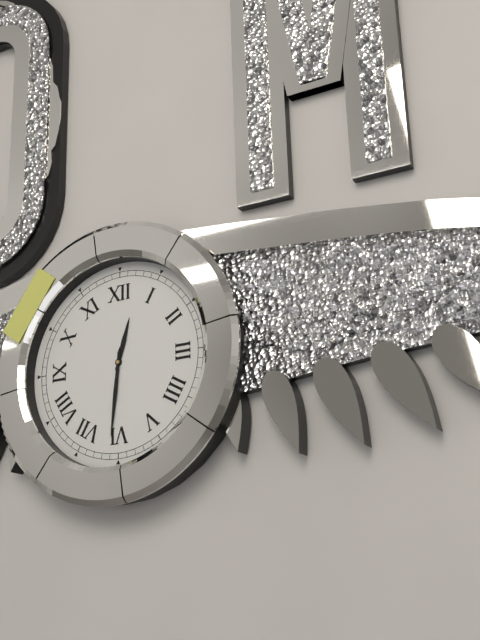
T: 12 h 31 min
